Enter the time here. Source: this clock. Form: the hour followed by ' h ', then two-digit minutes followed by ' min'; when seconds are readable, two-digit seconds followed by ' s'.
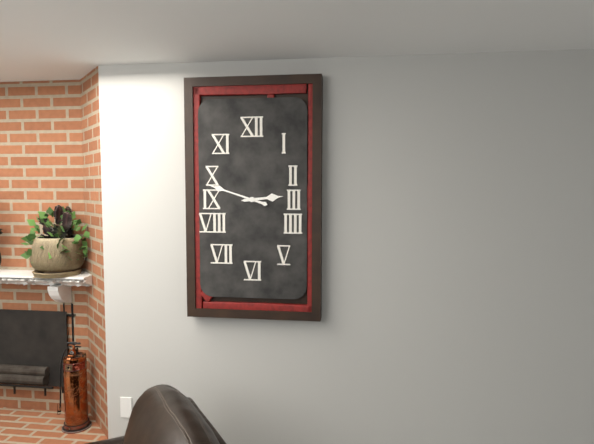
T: 2 h 48 min
